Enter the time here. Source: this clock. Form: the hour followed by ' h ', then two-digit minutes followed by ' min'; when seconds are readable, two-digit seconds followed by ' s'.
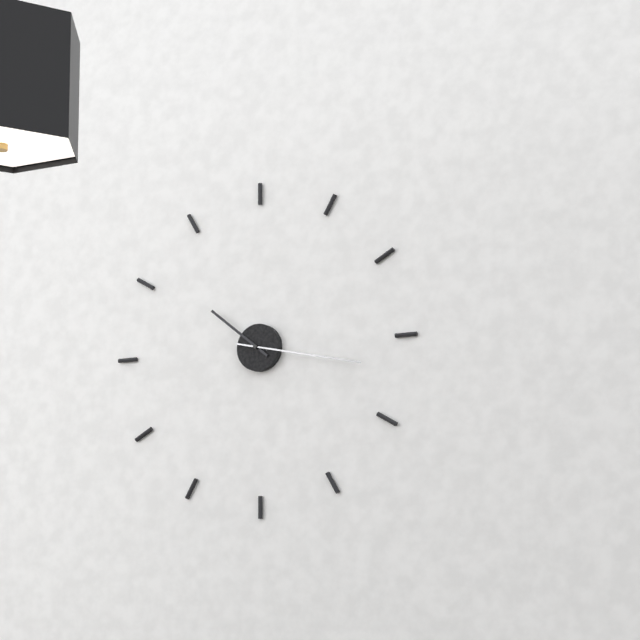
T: 10 h 17 min
